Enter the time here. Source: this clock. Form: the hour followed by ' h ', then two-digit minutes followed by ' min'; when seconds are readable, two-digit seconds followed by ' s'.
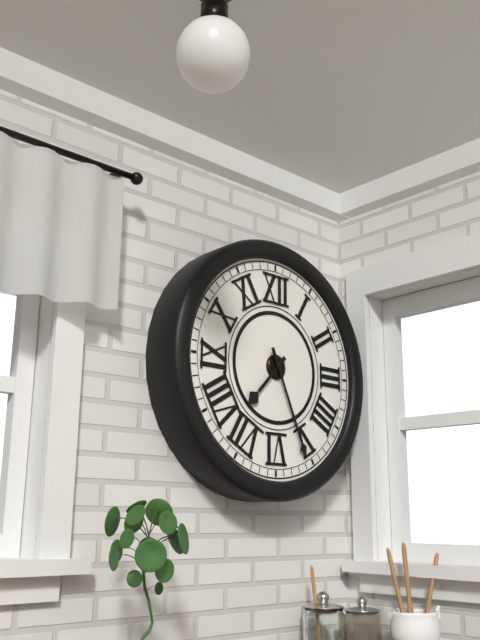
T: 7 h 26 min
